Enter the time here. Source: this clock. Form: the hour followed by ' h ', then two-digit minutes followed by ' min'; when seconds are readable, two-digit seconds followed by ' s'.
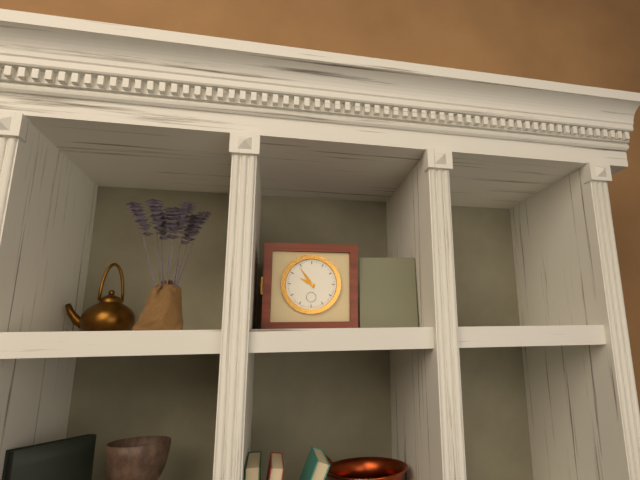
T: 9 h 54 min
